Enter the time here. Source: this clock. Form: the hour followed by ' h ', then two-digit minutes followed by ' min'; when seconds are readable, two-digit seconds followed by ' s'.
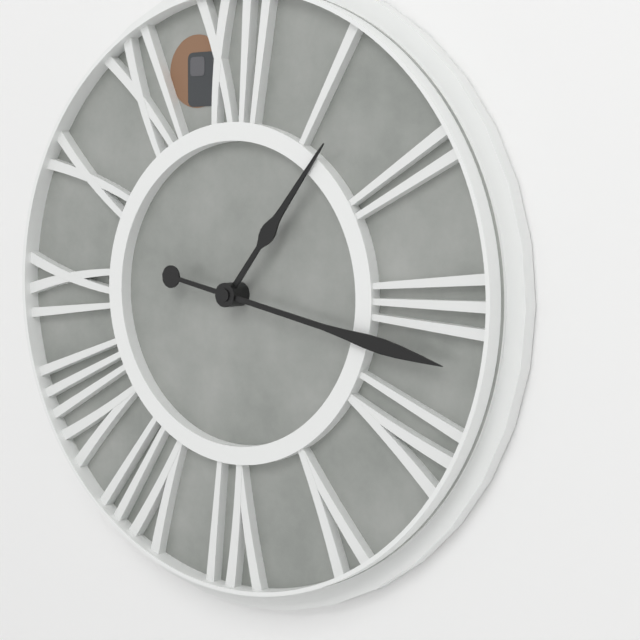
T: 1 h 17 min
